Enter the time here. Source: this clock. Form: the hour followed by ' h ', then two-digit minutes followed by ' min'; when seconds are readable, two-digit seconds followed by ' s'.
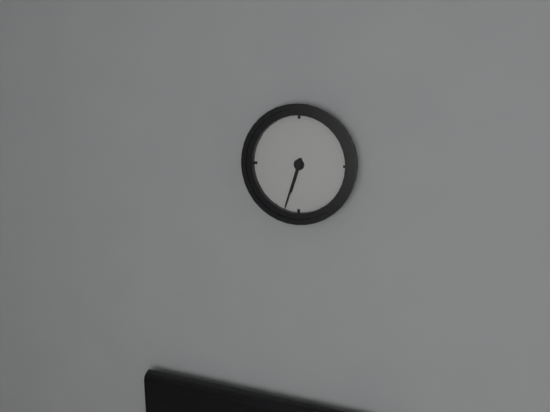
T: 6 h 33 min
